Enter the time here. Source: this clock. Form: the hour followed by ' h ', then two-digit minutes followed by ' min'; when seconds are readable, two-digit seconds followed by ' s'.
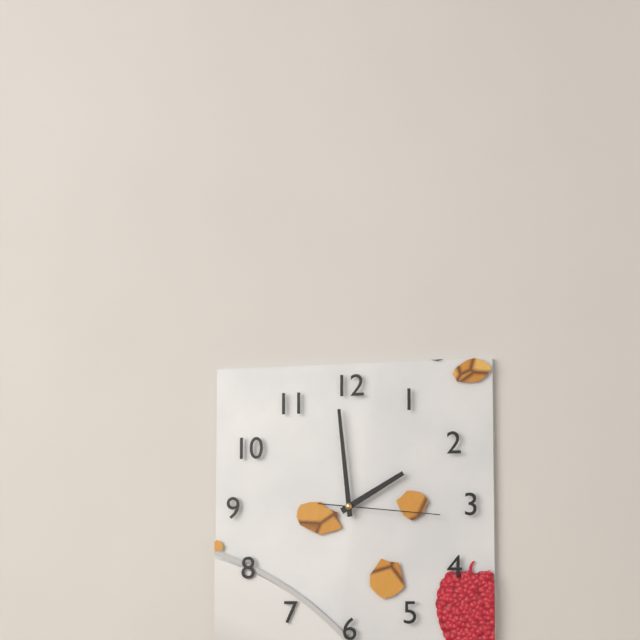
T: 1 h 59 min 16 s
